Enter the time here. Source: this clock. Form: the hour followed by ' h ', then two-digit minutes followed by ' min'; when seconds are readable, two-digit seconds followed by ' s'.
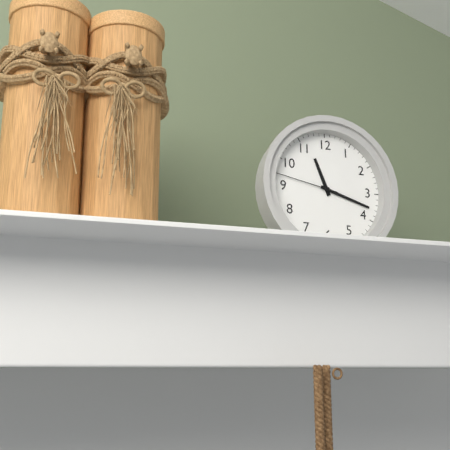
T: 11 h 18 min 47 s
